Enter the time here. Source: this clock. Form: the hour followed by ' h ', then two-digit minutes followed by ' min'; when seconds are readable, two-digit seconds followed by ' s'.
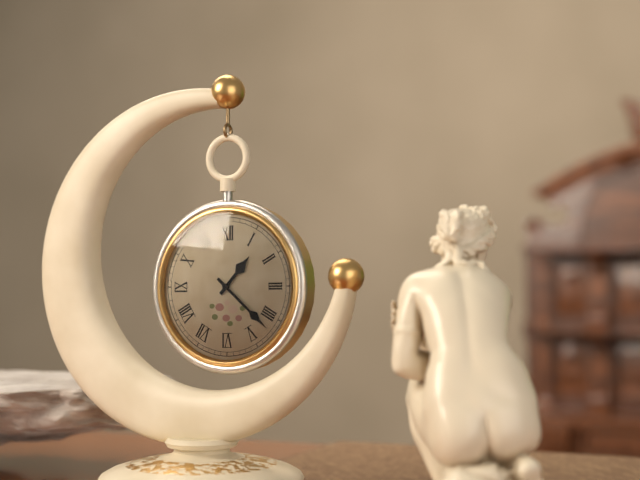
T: 1 h 22 min
